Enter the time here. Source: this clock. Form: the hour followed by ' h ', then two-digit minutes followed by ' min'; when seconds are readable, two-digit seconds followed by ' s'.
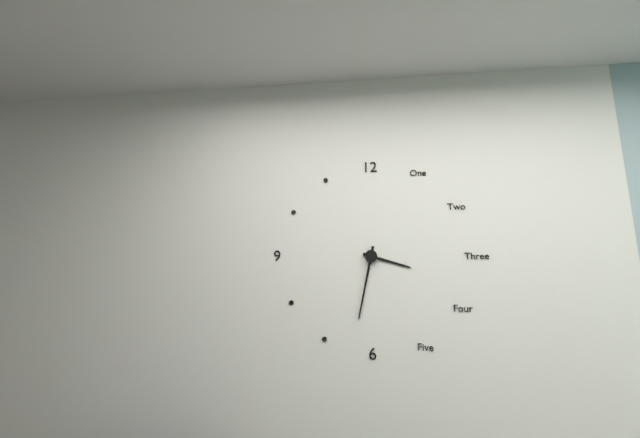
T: 3 h 32 min
